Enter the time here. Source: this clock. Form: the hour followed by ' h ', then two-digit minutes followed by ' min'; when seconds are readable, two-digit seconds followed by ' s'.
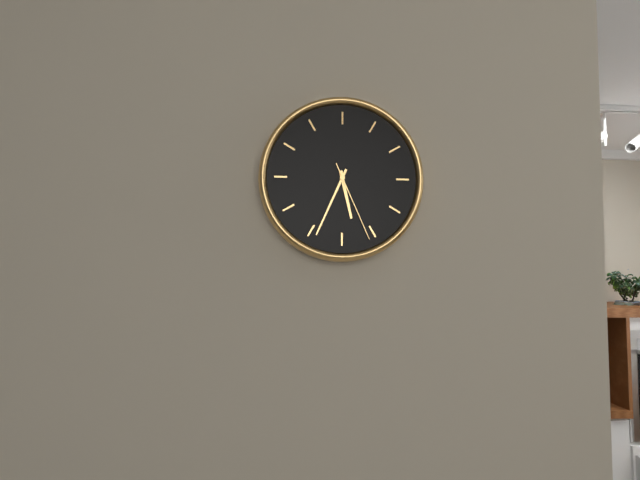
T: 5 h 34 min 26 s
